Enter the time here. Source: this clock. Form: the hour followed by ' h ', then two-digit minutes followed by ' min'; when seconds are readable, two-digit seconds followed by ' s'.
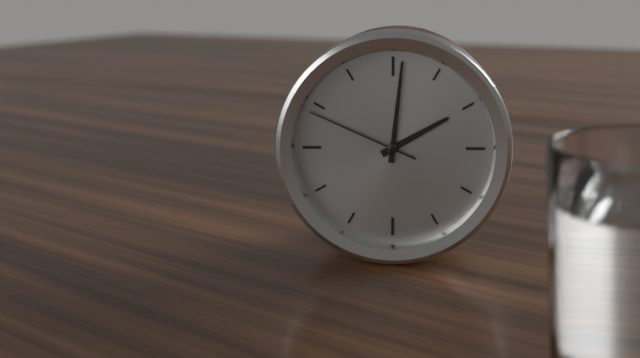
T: 2 h 01 min 49 s
